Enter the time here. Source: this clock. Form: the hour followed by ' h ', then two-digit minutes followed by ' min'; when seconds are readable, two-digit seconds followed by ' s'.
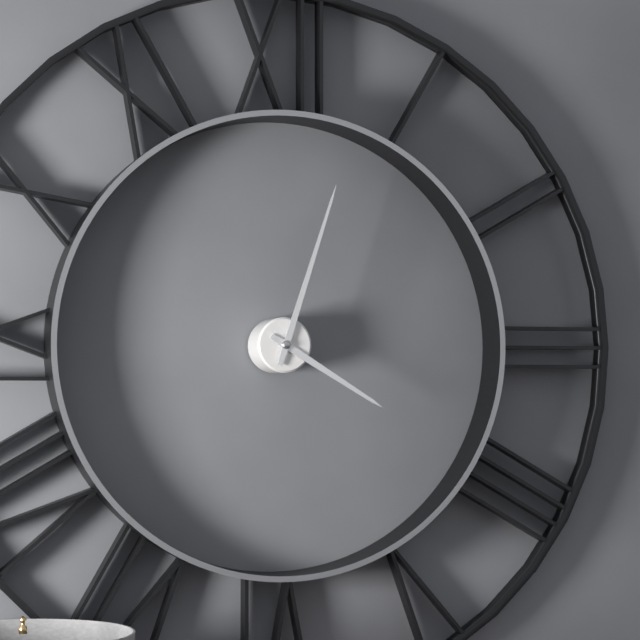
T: 4 h 03 min
